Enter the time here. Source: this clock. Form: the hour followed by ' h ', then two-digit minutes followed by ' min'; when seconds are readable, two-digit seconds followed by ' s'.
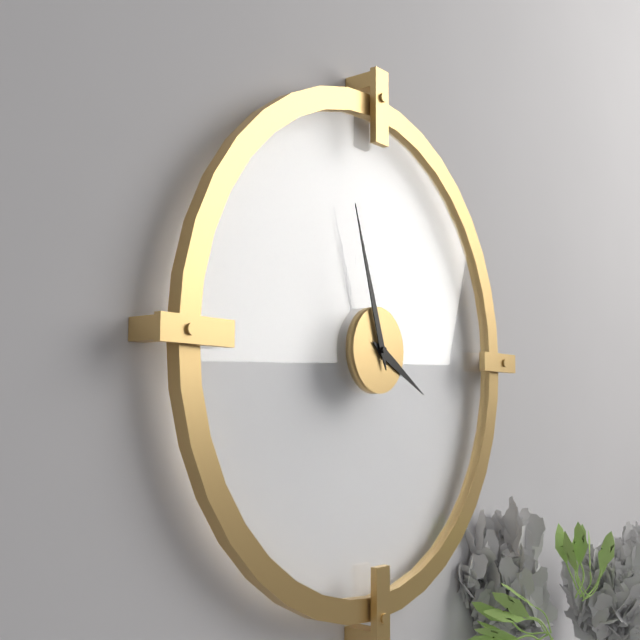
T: 3 h 57 min
